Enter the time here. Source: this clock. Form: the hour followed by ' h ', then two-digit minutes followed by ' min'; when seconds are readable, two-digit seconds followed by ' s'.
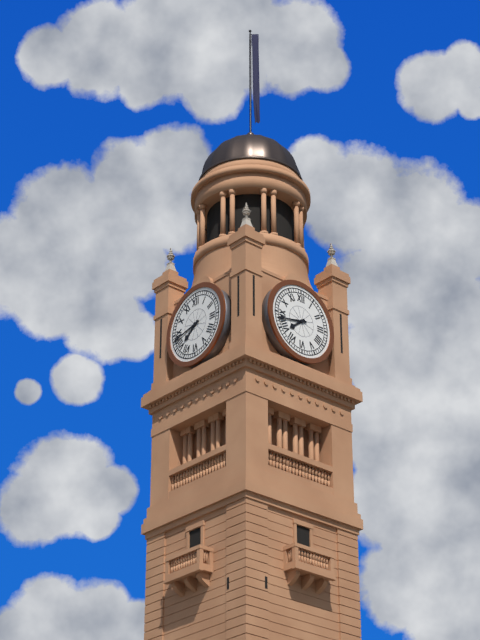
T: 7 h 43 min
